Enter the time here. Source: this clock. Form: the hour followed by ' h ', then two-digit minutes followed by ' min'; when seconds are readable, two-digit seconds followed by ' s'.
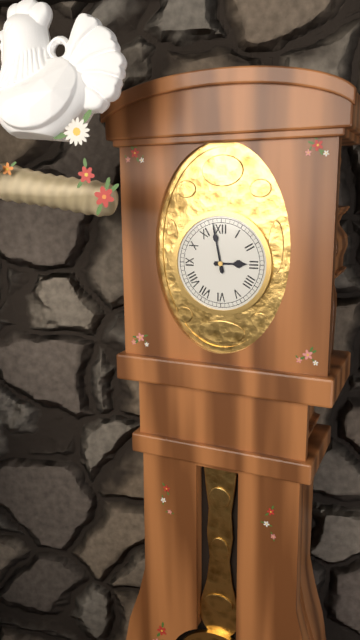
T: 2 h 58 min
